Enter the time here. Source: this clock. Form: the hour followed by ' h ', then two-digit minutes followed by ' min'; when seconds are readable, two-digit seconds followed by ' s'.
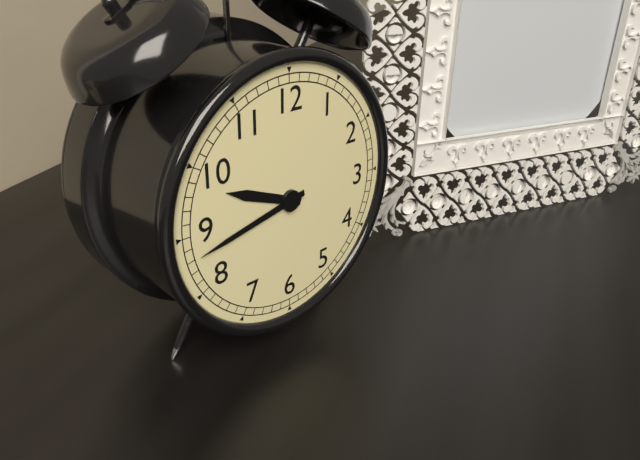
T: 9 h 43 min
